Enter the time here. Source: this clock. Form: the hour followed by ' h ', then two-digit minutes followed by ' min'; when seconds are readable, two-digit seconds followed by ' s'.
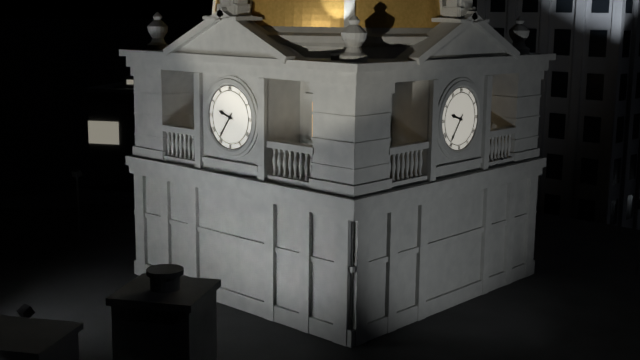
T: 9 h 36 min
